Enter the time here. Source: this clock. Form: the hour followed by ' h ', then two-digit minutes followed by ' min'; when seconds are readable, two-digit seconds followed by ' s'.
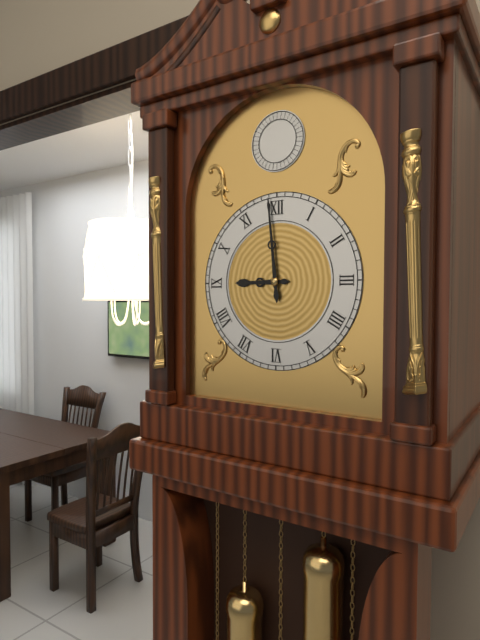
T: 8 h 59 min
